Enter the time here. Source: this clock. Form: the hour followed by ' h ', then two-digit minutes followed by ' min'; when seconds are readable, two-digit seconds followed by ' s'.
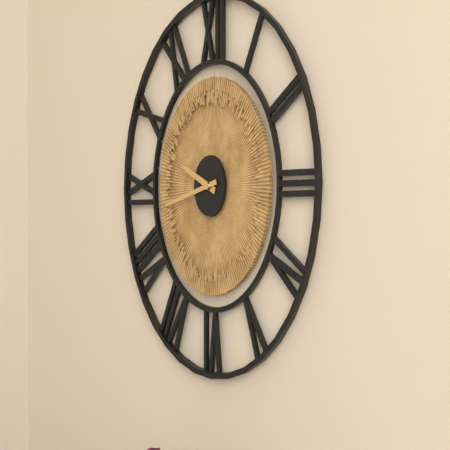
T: 9 h 43 min
